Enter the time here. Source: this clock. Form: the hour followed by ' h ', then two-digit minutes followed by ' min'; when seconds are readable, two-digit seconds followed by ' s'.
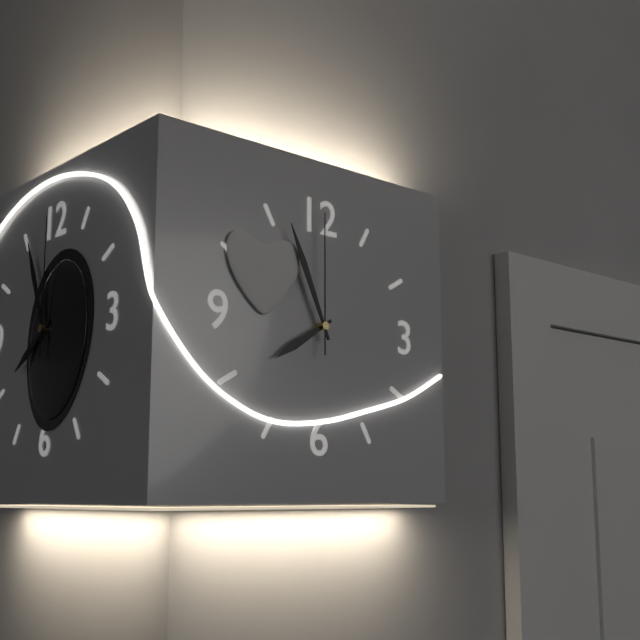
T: 7 h 56 min 00 s
